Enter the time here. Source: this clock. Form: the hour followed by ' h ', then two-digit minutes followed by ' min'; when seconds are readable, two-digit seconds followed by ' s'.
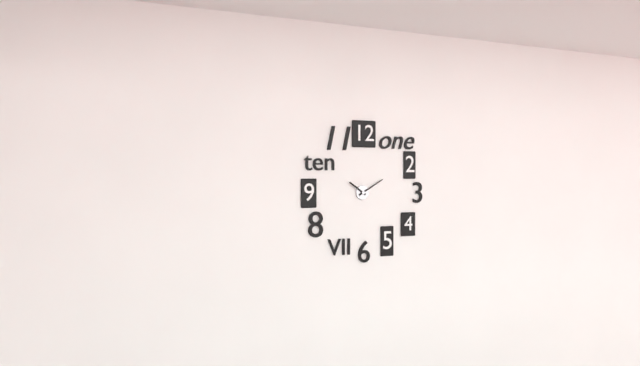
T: 10 h 10 min
